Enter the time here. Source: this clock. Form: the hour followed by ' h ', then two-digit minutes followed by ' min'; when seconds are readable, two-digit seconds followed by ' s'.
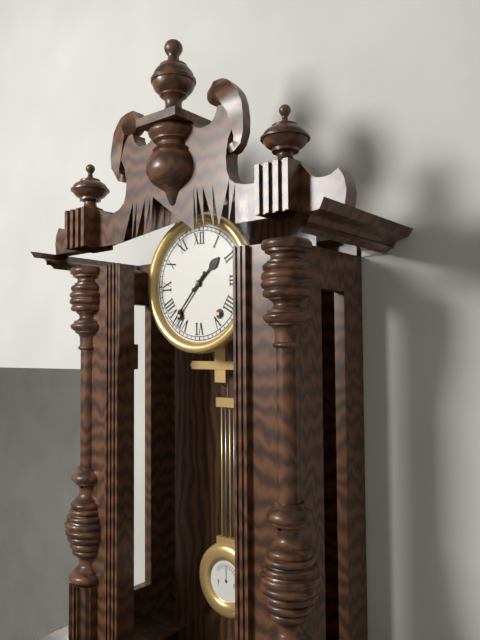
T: 1 h 37 min
